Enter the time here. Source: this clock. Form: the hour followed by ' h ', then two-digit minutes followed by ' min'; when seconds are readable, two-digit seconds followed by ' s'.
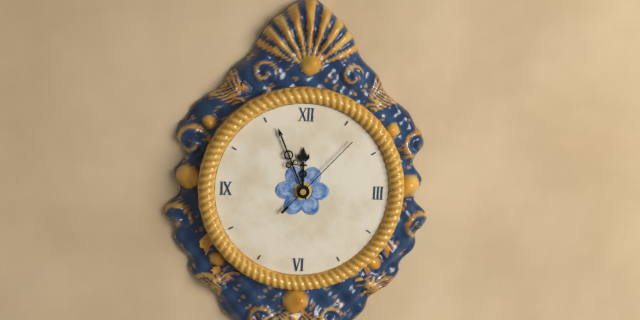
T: 11 h 56 min 07 s
